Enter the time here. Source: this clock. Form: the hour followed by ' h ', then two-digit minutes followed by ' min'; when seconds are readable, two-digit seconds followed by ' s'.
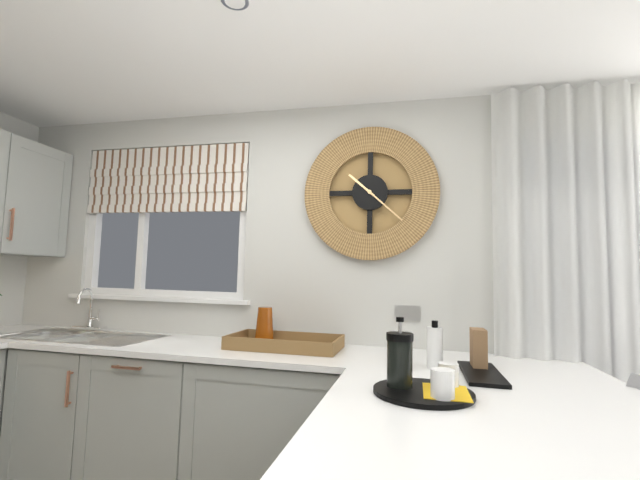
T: 10 h 22 min
